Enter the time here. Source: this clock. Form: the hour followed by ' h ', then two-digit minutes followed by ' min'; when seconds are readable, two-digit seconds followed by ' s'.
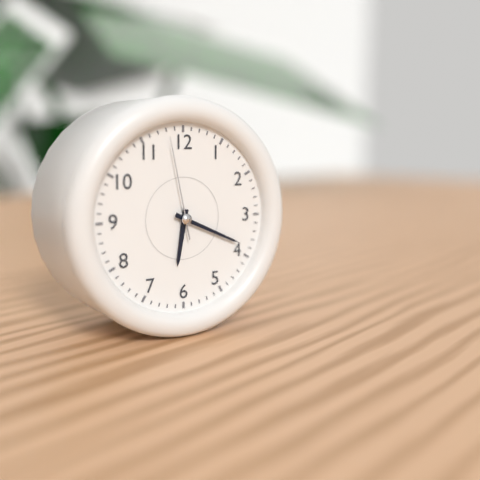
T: 6 h 19 min 58 s
